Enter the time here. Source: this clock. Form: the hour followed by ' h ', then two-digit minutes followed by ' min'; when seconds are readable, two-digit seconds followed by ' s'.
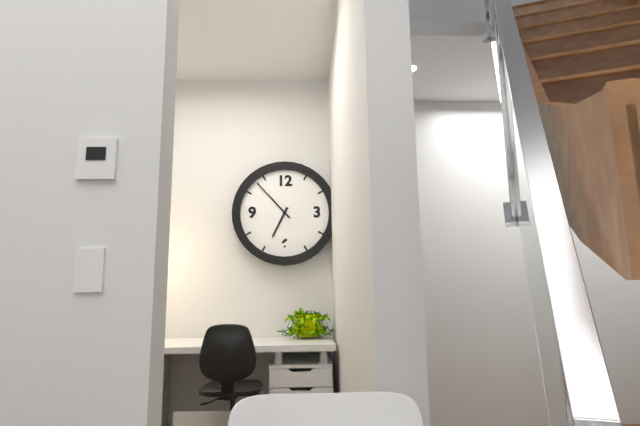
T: 6 h 53 min
